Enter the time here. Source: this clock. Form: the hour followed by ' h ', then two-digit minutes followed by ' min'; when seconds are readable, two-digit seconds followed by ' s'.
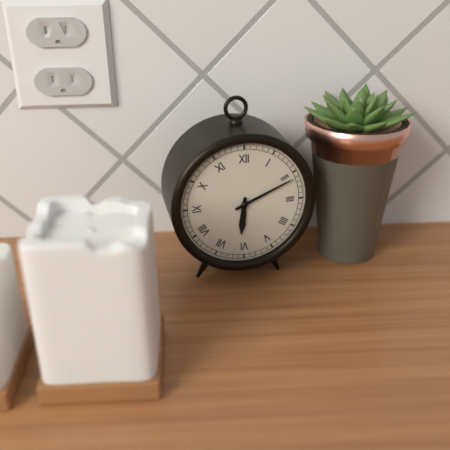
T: 6 h 11 min
